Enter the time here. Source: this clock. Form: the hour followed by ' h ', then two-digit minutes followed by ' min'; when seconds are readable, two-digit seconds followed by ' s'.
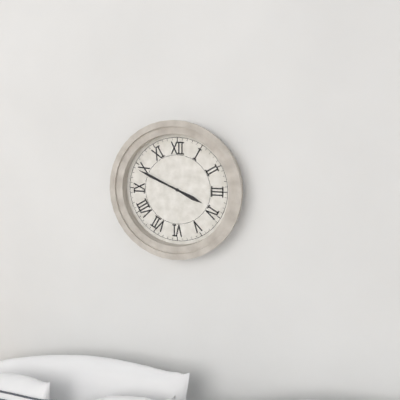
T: 3 h 49 min
